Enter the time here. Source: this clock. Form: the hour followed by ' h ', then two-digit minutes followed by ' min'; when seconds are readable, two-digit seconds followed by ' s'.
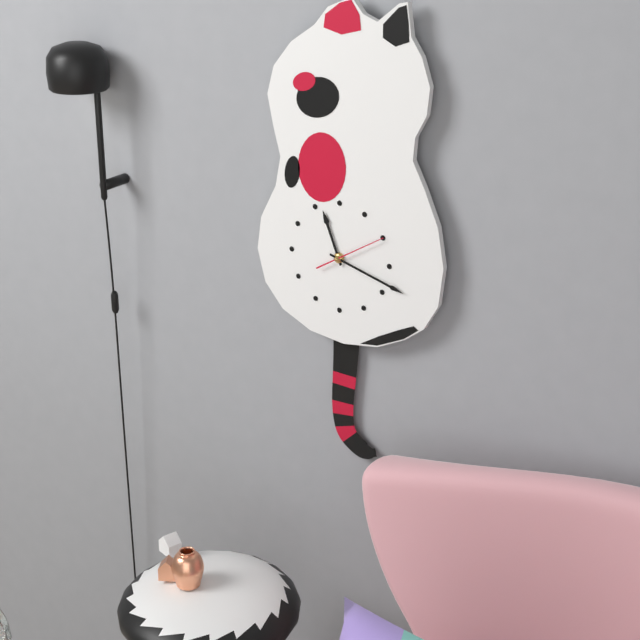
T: 11 h 18 min 10 s
